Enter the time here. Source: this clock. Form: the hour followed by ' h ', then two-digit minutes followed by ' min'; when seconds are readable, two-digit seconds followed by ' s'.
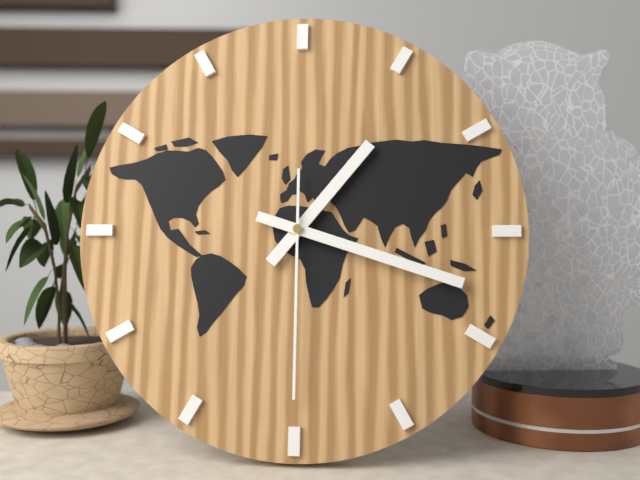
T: 1 h 18 min 30 s
